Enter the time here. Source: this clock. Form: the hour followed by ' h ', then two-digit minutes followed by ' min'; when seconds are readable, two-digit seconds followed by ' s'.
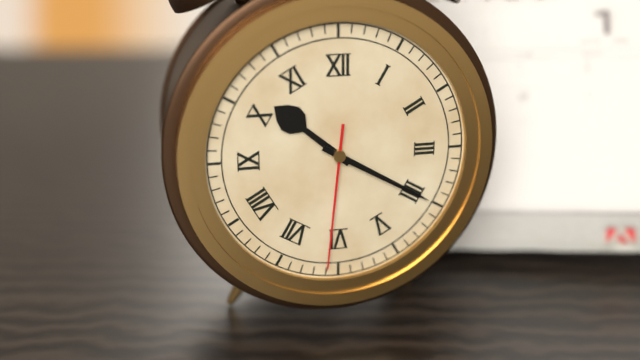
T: 10 h 20 min 31 s
